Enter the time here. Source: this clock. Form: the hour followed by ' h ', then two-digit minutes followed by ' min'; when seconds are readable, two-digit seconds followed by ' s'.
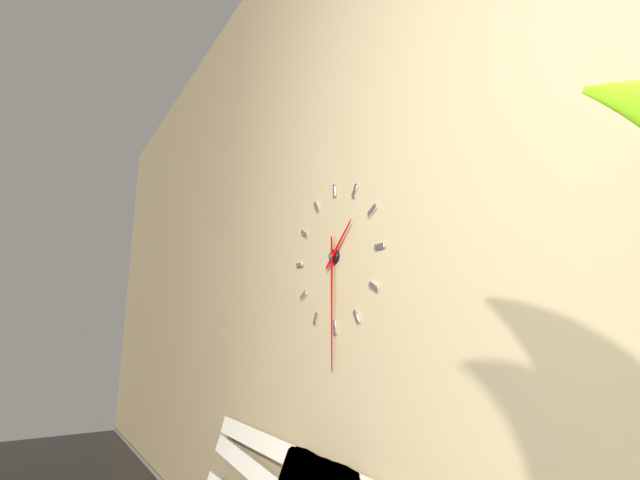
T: 1 h 30 min
